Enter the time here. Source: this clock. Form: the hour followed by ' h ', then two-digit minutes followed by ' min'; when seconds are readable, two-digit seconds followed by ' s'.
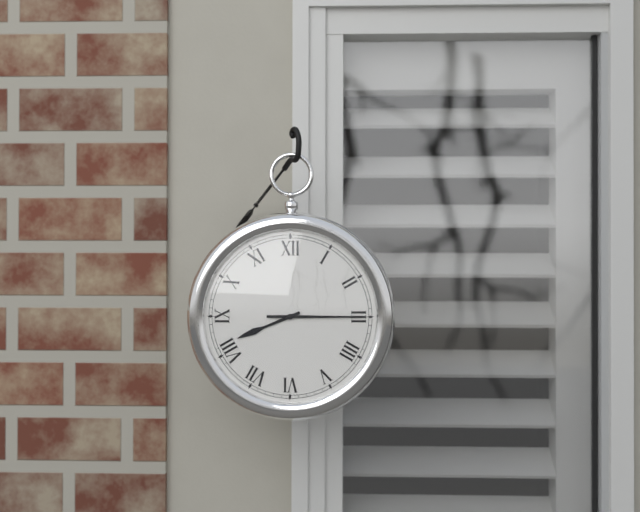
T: 8 h 15 min
